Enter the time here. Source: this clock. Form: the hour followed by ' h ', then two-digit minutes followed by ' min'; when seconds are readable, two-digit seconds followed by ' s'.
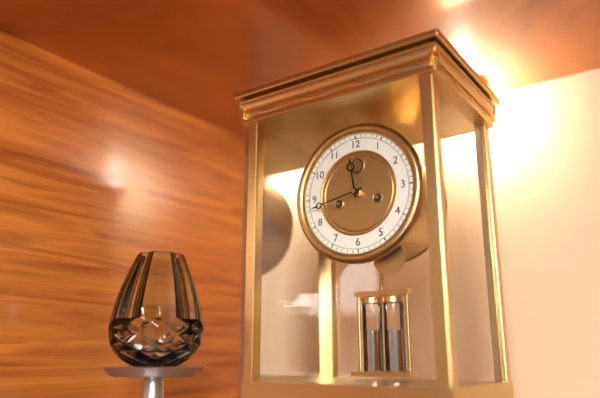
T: 11 h 43 min
